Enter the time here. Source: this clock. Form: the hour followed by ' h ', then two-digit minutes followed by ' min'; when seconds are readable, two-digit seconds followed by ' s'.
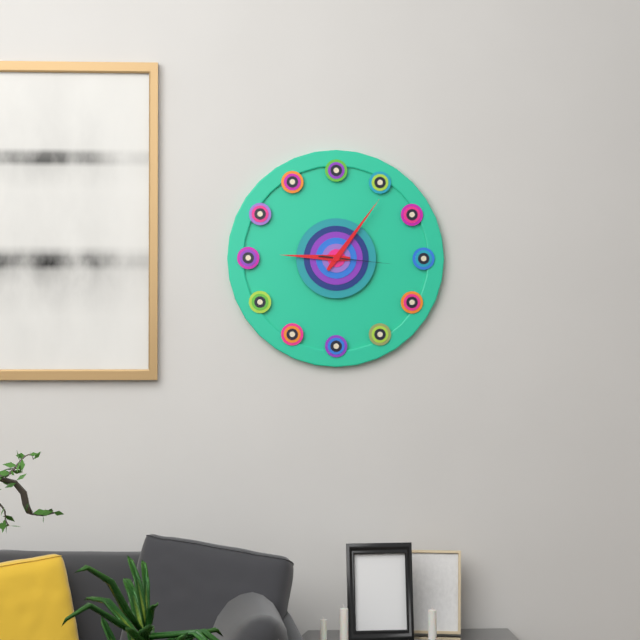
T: 9 h 06 min 16 s
